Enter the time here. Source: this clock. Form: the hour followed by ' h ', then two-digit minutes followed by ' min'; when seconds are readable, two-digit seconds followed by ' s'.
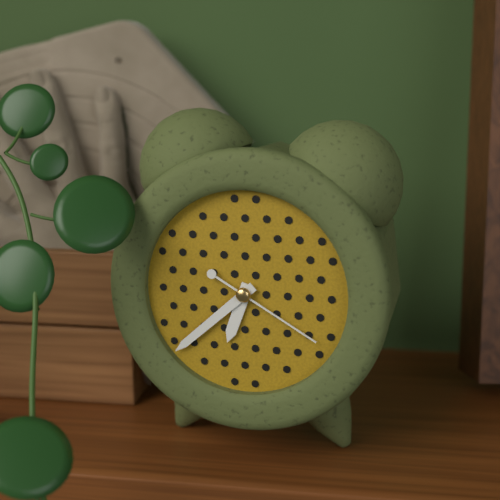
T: 6 h 38 min 20 s
